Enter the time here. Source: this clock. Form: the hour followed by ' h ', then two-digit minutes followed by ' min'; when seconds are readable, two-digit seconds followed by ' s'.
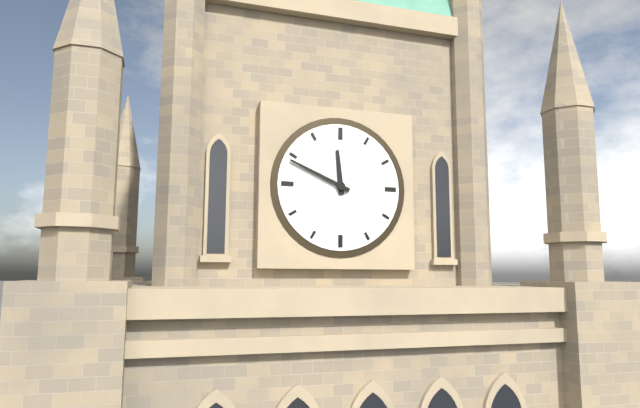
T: 11 h 49 min
